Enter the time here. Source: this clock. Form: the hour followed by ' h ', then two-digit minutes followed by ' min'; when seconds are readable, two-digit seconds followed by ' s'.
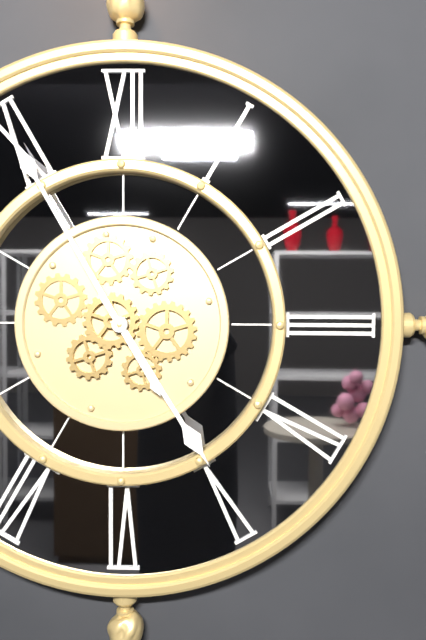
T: 4 h 55 min
